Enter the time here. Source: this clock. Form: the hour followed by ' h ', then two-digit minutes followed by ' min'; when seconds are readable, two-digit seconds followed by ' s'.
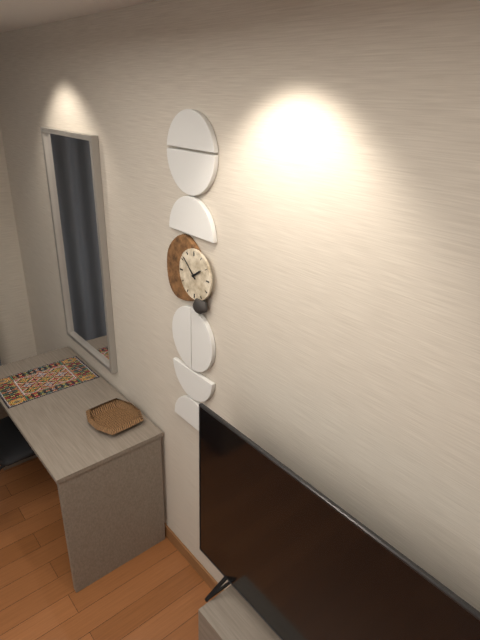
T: 1 h 52 min
